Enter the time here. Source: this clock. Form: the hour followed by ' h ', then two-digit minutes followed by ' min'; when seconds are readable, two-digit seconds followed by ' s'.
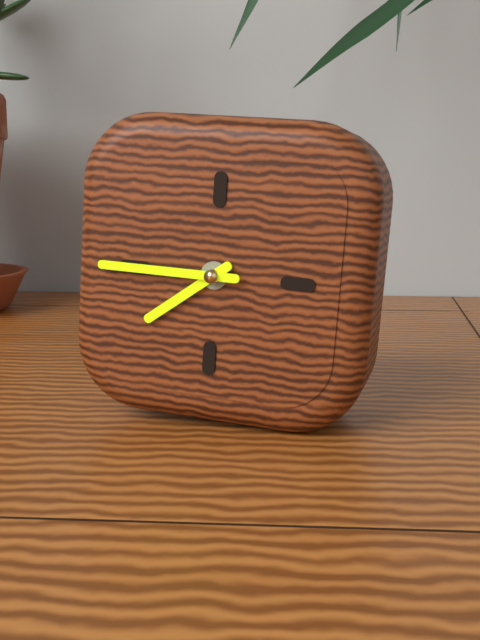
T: 7 h 45 min
